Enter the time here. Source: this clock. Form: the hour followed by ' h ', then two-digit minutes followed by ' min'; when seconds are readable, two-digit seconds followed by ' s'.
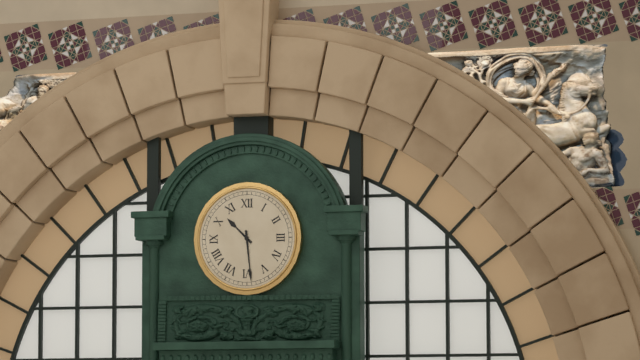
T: 10 h 29 min
